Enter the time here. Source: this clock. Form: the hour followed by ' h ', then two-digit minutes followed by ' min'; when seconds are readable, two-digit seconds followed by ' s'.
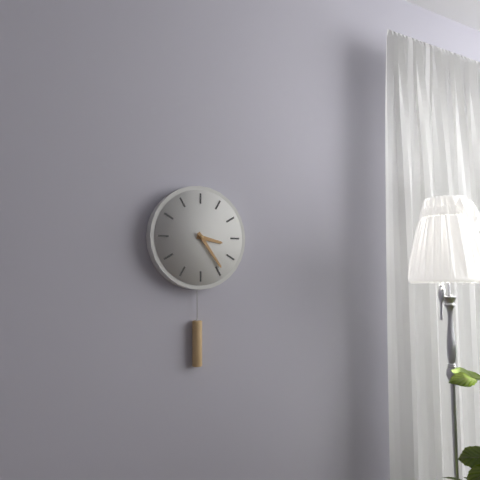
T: 3 h 24 min
